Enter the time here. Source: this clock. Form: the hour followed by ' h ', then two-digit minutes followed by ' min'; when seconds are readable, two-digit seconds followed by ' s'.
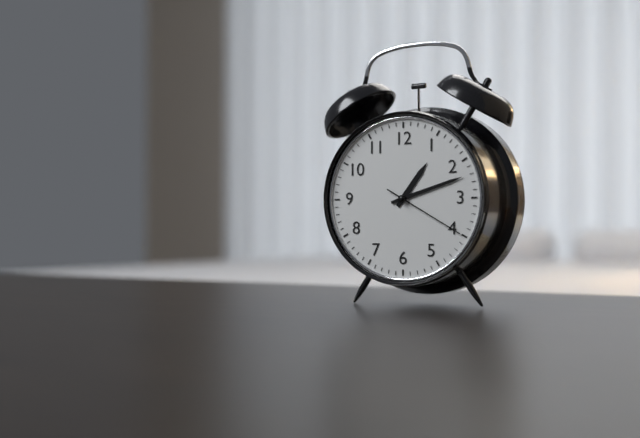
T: 1 h 12 min 20 s
